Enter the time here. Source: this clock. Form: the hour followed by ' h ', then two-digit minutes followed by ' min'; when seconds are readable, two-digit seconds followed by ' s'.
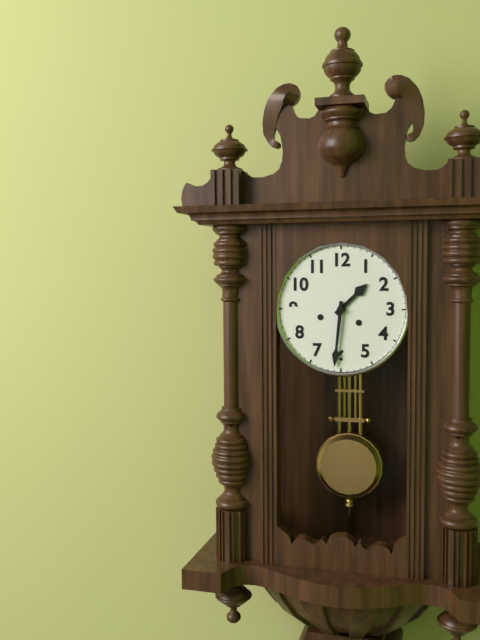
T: 1 h 31 min
